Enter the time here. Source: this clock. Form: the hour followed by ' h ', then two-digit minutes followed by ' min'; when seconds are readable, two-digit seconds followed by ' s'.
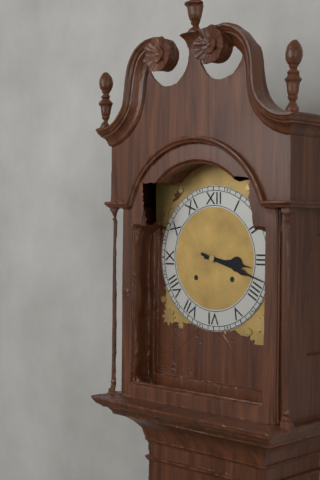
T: 3 h 18 min
